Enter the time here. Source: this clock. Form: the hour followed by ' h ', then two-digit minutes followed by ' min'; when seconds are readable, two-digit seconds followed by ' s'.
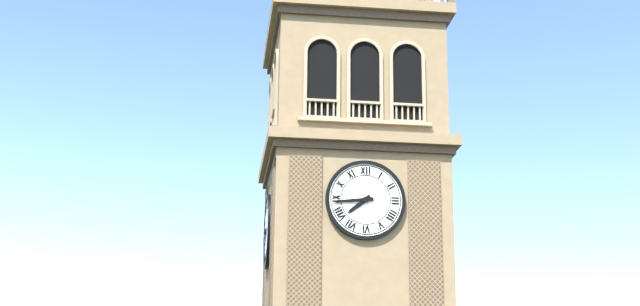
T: 7 h 44 min
